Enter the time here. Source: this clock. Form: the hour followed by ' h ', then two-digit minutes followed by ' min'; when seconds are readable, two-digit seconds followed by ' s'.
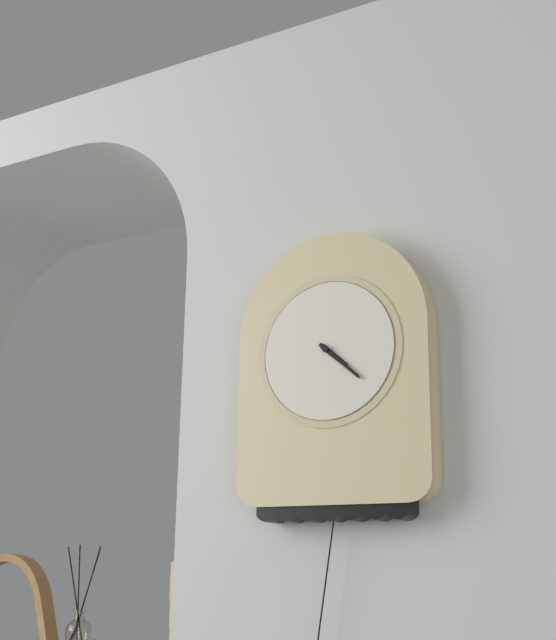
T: 4 h 22 min
